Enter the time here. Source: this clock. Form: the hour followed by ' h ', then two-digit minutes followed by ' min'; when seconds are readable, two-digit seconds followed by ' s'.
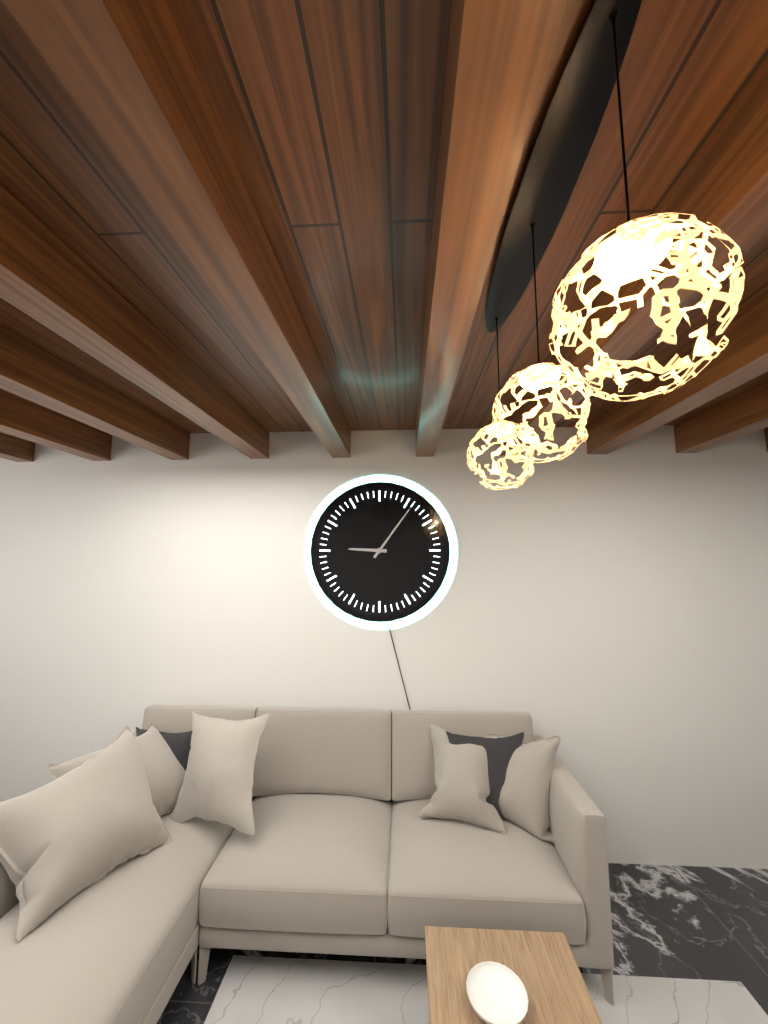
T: 9 h 06 min
